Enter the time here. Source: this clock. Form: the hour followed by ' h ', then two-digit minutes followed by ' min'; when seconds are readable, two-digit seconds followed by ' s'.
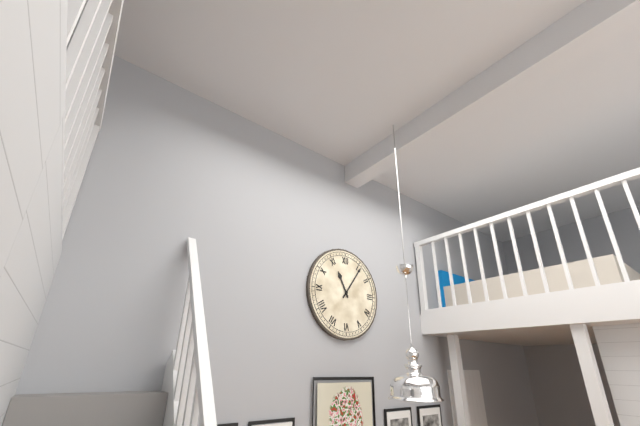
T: 11 h 06 min
